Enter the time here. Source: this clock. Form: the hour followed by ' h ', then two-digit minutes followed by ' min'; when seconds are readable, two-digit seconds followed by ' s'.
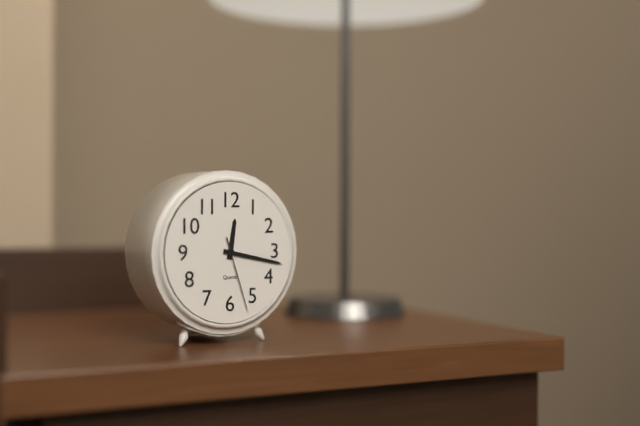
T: 12 h 17 min 27 s
